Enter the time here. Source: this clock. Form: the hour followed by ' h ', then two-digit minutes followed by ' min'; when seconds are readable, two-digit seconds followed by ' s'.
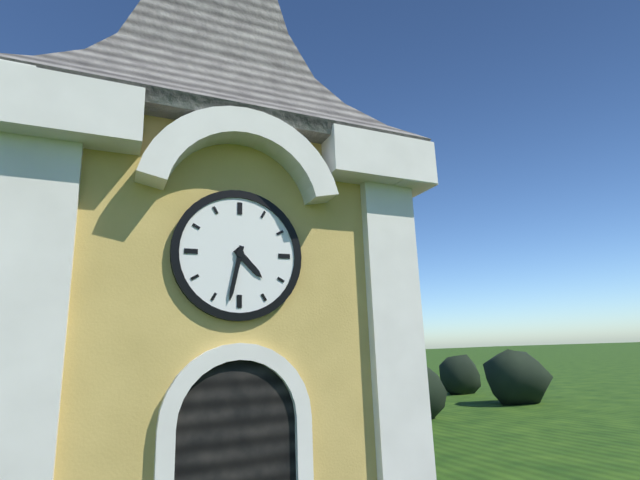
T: 4 h 32 min
